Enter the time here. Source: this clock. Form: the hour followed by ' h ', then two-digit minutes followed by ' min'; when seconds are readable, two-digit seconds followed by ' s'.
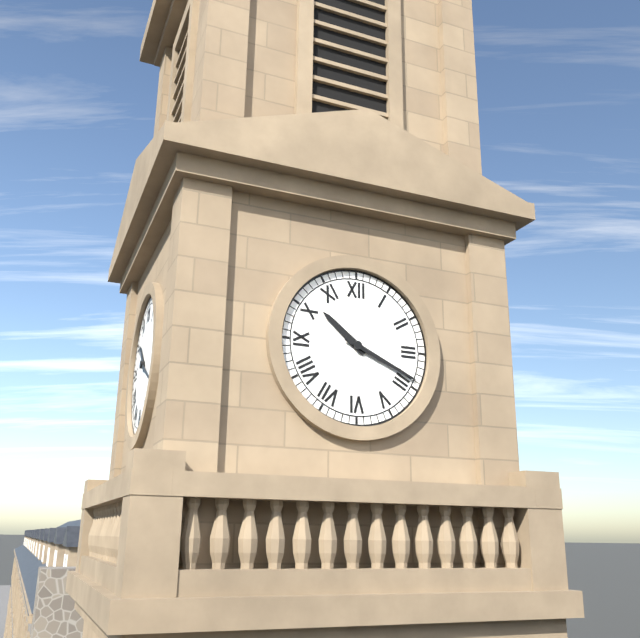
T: 10 h 19 min
